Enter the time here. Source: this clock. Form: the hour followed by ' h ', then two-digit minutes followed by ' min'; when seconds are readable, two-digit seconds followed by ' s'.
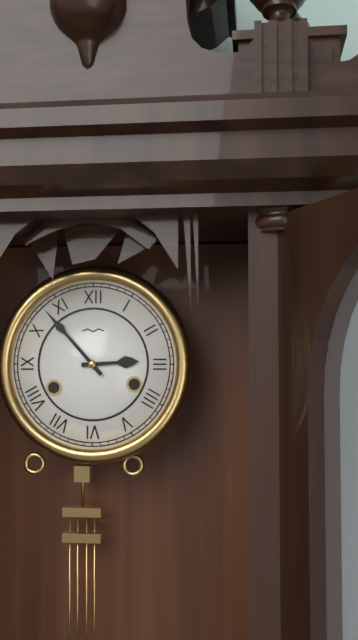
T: 2 h 53 min
